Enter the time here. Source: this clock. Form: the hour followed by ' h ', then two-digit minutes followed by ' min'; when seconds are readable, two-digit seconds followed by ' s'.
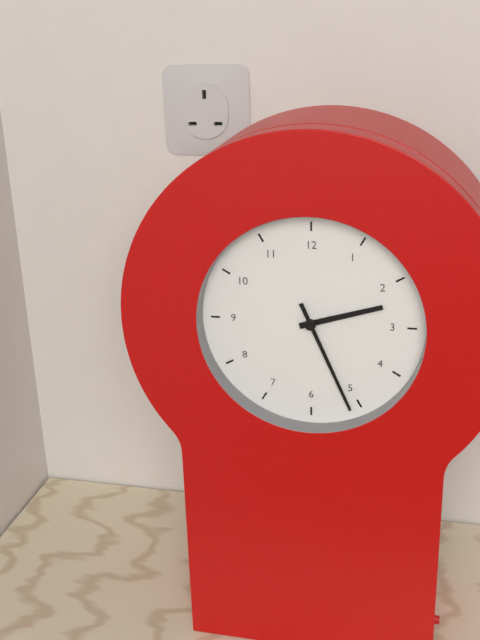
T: 2 h 26 min
